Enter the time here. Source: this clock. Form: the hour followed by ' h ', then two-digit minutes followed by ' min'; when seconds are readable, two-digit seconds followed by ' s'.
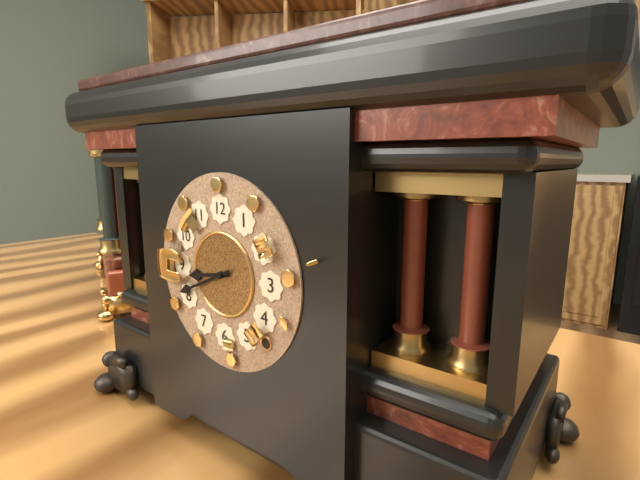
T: 8 h 41 min
